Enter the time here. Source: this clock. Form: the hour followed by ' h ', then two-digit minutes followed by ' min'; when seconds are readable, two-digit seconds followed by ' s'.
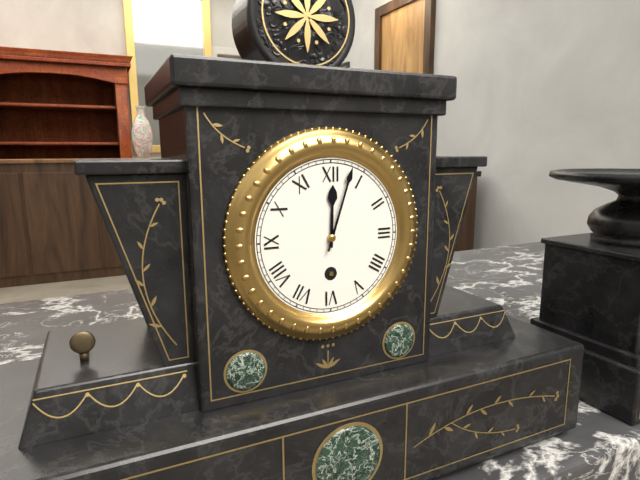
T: 12 h 03 min
